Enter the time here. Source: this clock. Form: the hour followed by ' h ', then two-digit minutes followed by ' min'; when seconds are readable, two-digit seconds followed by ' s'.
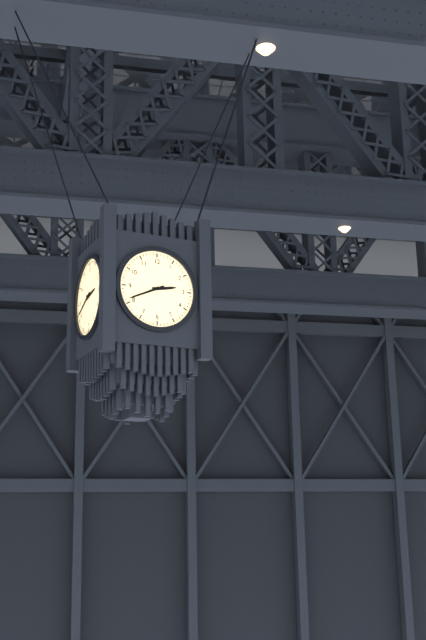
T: 2 h 41 min
